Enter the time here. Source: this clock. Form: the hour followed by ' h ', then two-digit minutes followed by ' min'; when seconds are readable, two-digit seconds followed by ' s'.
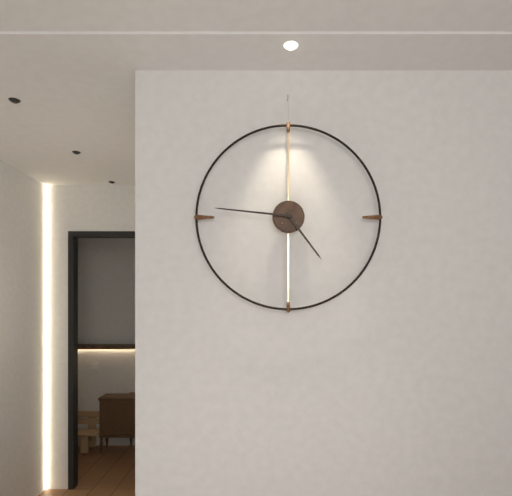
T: 4 h 46 min
